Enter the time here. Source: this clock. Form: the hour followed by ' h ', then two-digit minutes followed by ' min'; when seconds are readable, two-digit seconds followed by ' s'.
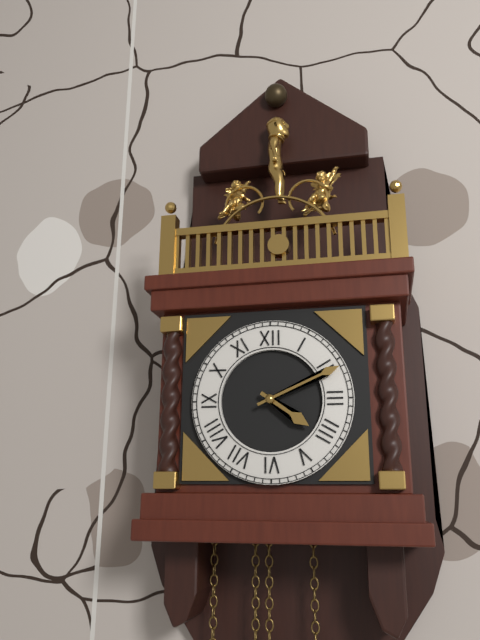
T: 4 h 11 min
